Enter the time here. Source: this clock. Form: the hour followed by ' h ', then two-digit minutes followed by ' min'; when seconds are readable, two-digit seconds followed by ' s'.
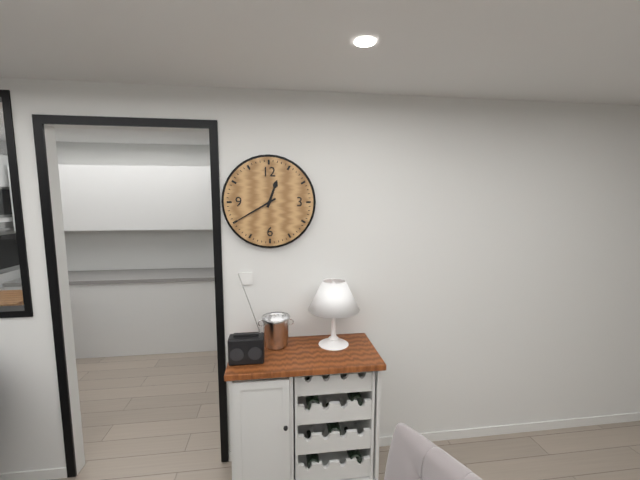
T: 12 h 40 min
